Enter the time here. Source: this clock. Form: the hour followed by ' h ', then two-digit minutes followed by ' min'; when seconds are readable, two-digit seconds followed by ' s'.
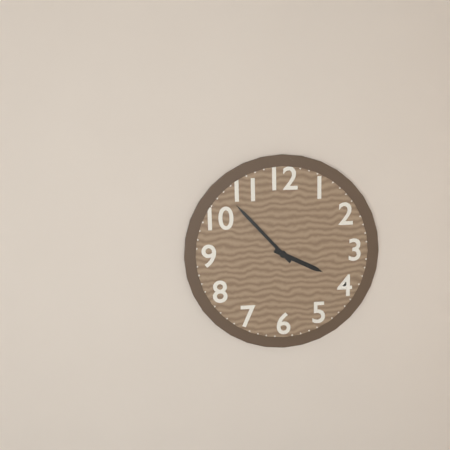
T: 3 h 53 min
